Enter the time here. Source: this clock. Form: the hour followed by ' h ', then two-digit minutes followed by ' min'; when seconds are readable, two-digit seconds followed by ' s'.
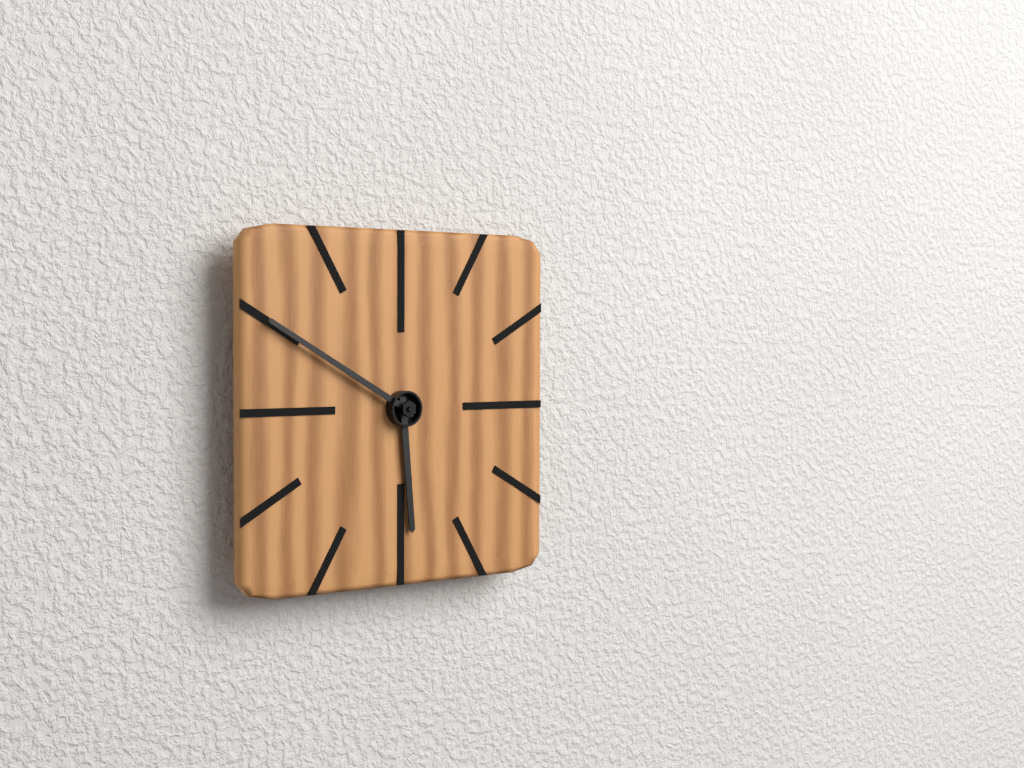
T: 5 h 50 min
